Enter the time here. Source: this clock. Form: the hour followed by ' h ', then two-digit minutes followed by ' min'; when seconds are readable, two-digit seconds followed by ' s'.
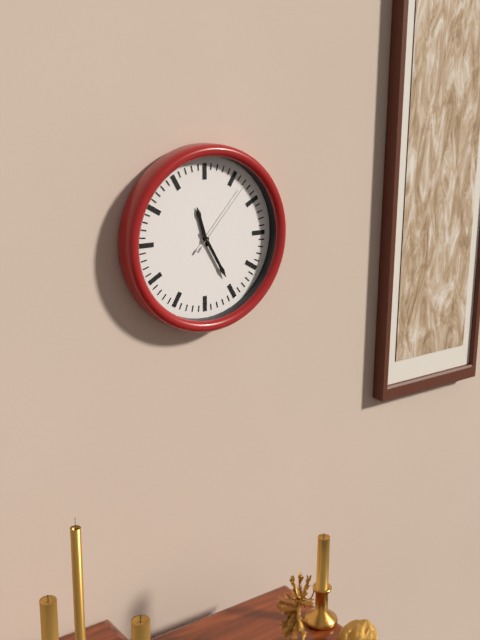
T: 11 h 25 min 07 s
